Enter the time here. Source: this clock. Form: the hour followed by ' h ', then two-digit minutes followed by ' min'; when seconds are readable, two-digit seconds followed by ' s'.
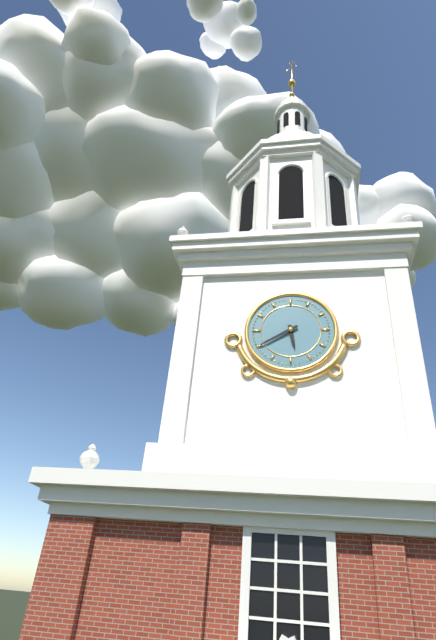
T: 5 h 40 min
